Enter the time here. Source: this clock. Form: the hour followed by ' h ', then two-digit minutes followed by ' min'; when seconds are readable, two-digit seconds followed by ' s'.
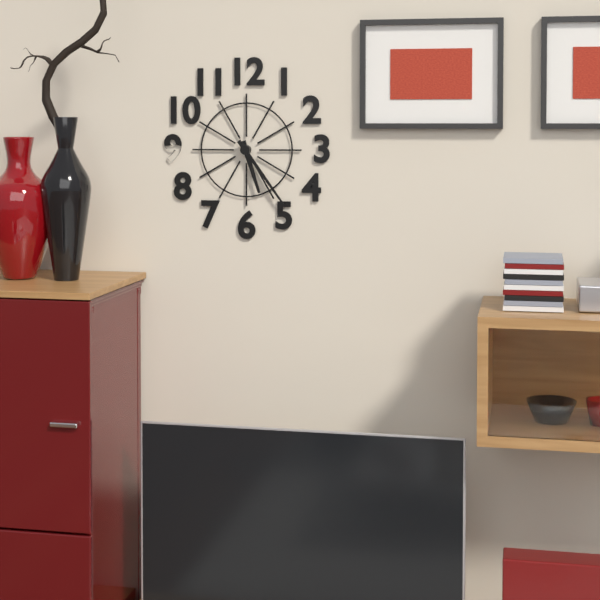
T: 5 h 24 min
